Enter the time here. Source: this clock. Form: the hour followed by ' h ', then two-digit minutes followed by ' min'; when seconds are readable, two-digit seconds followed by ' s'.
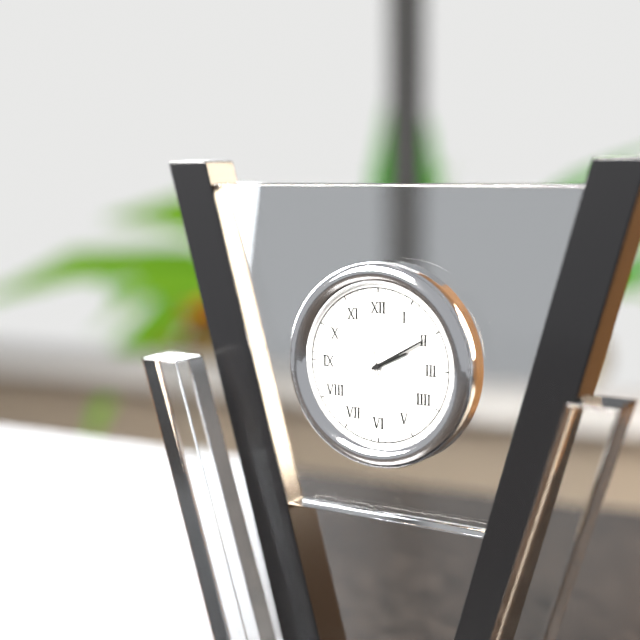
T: 2 h 10 min 28 s
